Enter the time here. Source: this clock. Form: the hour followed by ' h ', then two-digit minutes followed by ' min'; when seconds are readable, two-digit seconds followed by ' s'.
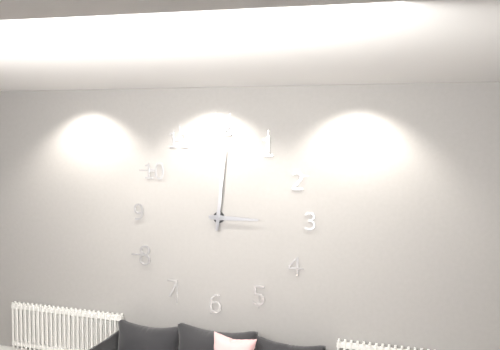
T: 3 h 01 min
